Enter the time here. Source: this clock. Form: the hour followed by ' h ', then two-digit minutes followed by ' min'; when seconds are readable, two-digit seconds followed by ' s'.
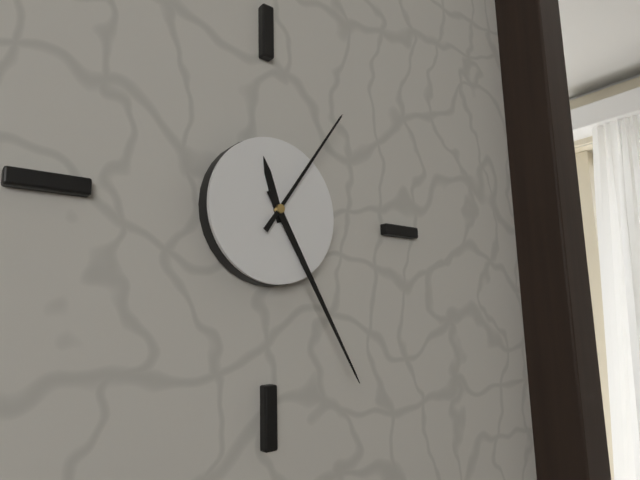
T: 11 h 25 min 06 s
